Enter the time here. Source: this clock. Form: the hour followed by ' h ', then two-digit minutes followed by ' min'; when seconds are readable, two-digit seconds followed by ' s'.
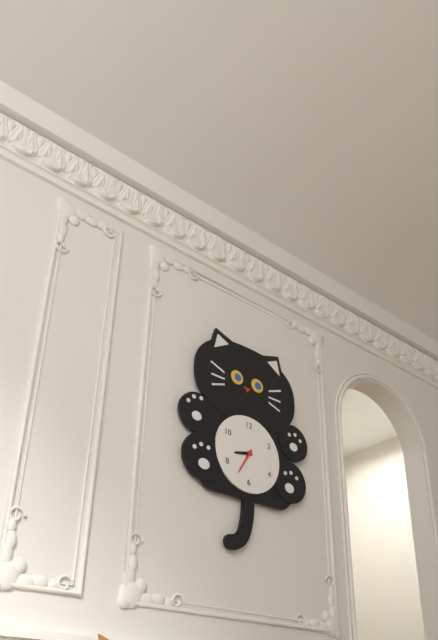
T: 8 h 35 min
